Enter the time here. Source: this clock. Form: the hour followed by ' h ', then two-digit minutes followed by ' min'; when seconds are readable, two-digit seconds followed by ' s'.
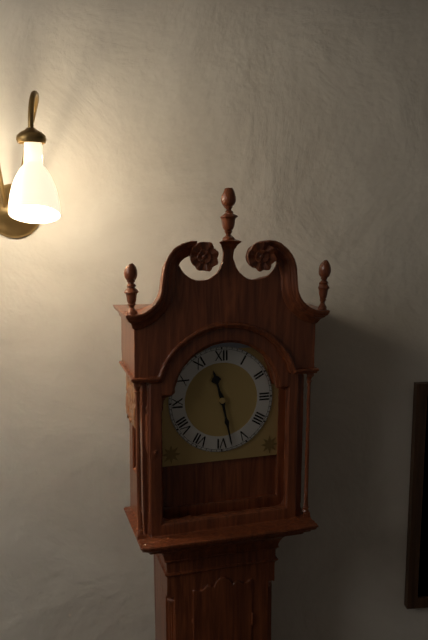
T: 11 h 28 min
